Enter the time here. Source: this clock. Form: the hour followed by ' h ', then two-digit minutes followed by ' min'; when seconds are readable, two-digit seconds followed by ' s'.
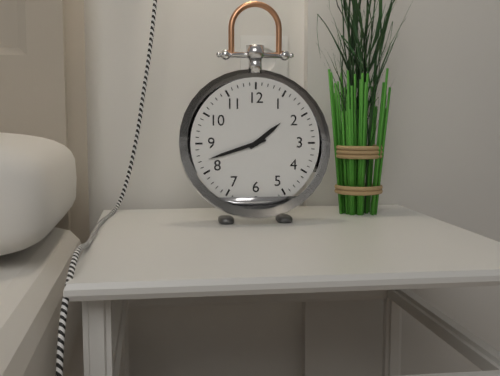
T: 1 h 42 min
